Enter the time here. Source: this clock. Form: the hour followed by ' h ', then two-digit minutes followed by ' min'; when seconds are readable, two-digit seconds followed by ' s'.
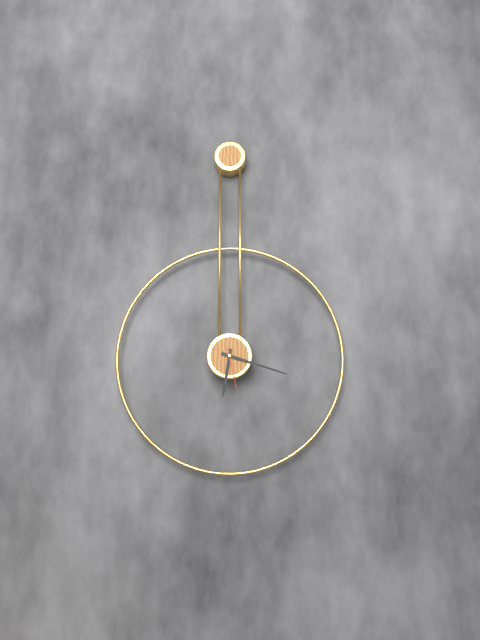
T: 6 h 18 min
